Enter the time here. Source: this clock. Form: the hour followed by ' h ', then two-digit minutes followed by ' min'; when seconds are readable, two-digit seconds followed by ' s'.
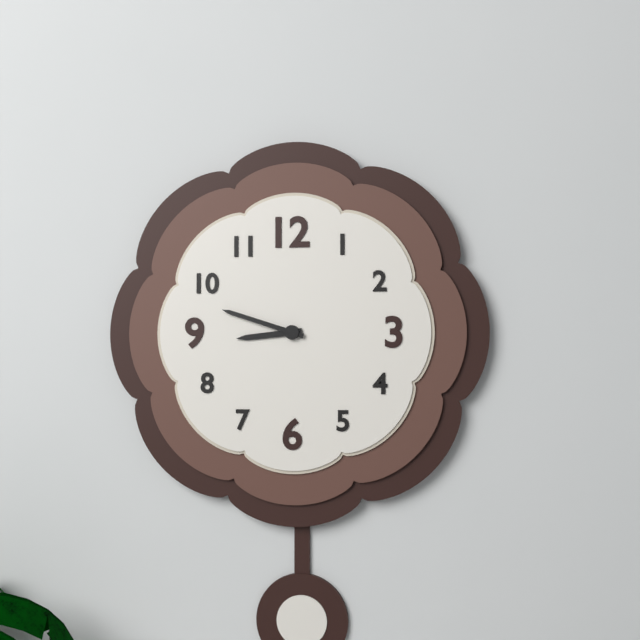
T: 8 h 48 min
